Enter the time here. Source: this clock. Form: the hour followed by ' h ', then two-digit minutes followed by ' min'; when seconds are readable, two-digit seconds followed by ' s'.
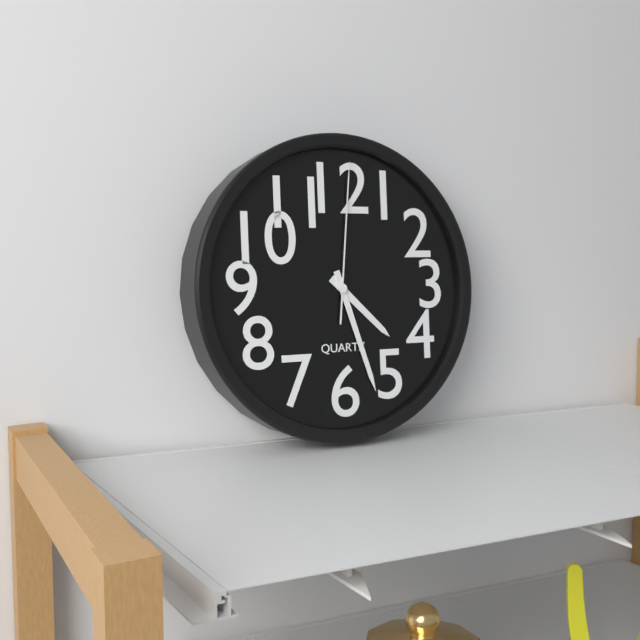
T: 4 h 27 min 01 s
